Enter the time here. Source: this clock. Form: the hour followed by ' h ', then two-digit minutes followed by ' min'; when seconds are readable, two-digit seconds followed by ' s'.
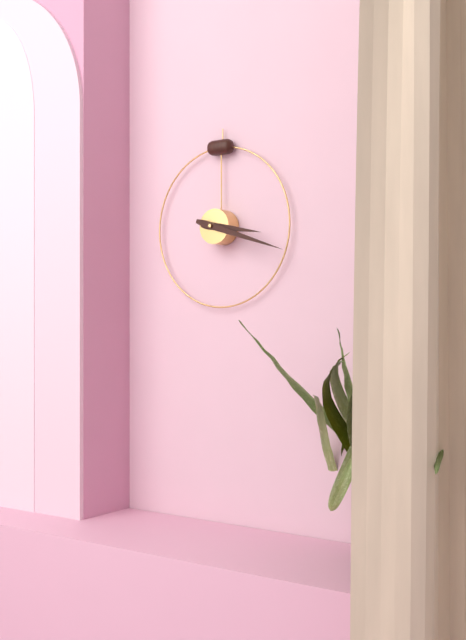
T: 3 h 18 min
